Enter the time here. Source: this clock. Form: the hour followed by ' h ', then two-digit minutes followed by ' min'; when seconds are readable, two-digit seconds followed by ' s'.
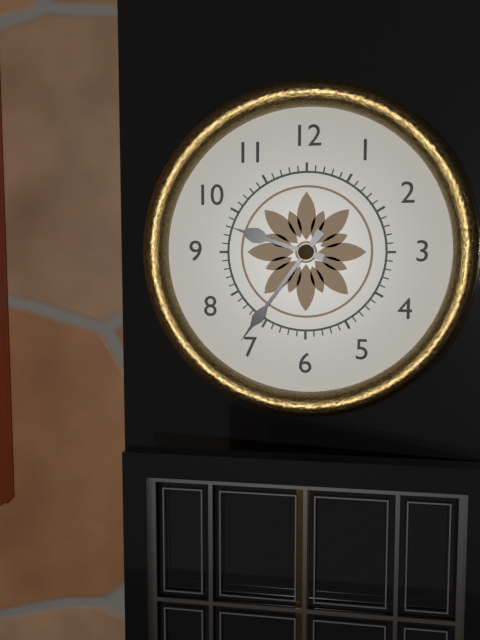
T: 9 h 36 min
